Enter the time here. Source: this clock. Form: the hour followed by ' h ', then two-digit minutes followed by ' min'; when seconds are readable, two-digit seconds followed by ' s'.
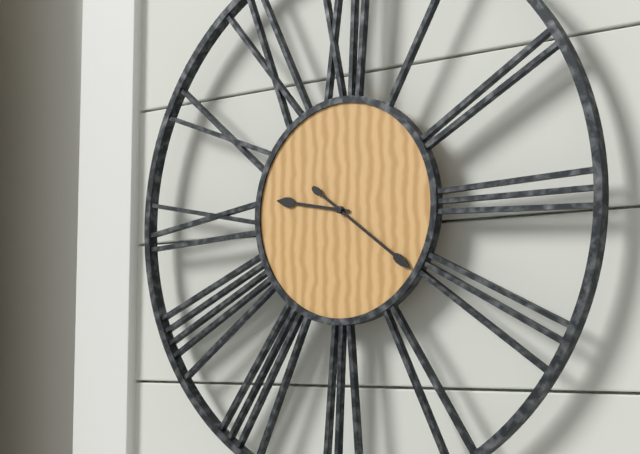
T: 9 h 21 min
